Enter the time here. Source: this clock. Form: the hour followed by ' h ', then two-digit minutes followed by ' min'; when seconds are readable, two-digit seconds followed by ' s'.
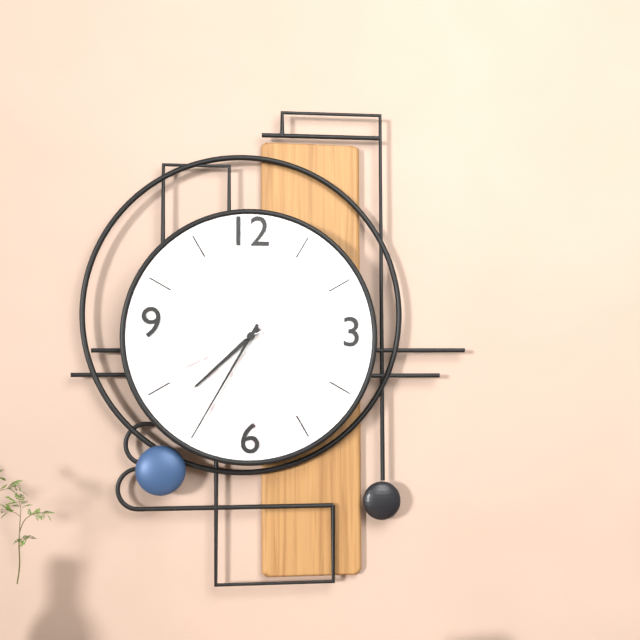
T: 7 h 35 min 41 s
